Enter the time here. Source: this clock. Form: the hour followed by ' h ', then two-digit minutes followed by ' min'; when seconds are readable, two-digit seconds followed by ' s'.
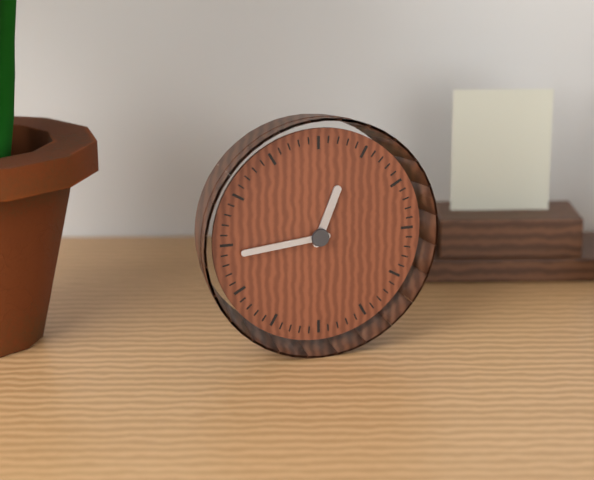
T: 12 h 44 min
